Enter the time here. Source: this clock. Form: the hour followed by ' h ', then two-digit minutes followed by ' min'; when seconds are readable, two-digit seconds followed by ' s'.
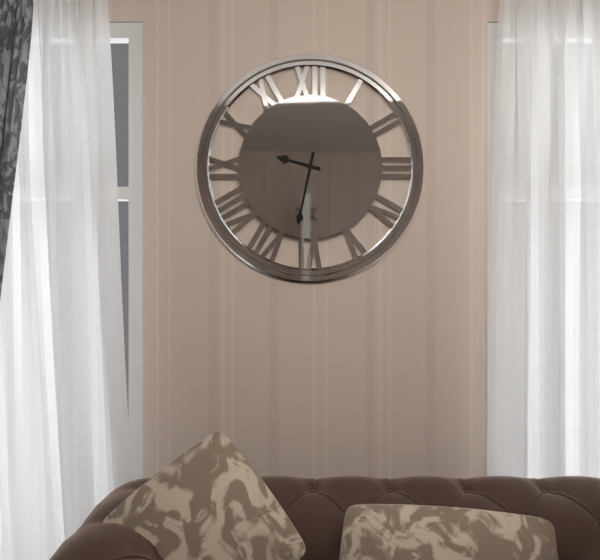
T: 9 h 32 min
